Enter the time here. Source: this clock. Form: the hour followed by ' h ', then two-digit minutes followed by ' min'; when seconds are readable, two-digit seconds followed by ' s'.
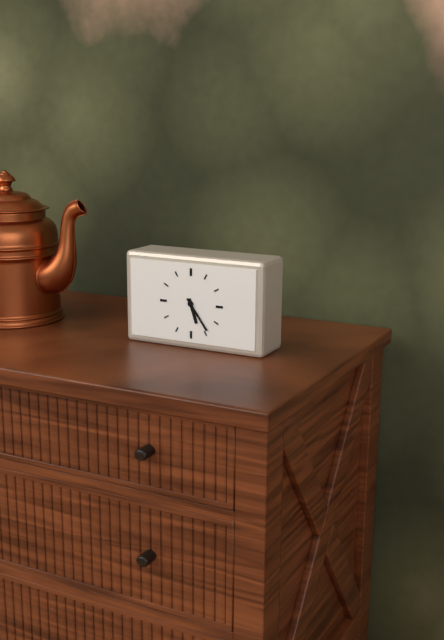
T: 5 h 24 min
